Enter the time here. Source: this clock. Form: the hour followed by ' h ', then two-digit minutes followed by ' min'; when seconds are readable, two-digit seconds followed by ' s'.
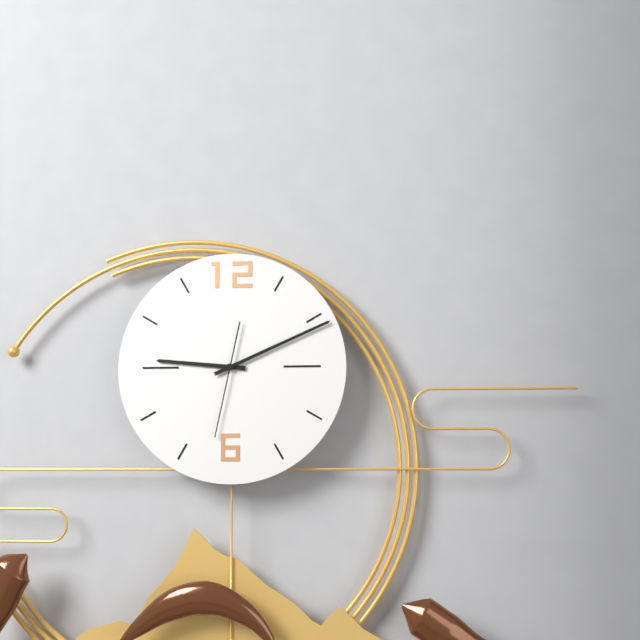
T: 9 h 11 min 32 s
